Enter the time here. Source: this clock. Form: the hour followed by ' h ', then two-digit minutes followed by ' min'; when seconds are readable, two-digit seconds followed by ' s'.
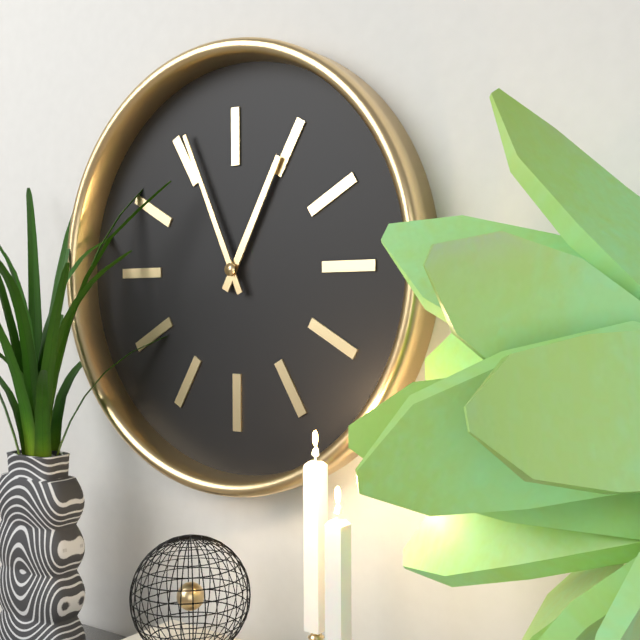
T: 12 h 56 min
